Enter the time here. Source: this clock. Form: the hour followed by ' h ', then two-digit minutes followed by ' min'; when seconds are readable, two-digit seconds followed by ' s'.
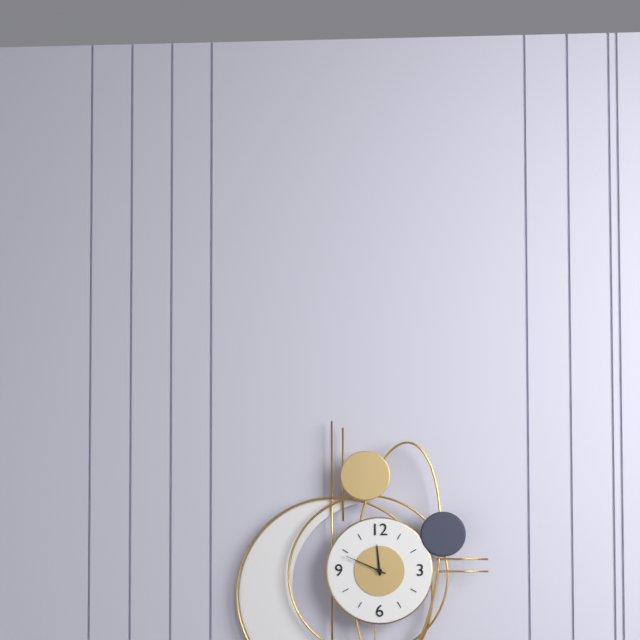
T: 11 h 49 min
